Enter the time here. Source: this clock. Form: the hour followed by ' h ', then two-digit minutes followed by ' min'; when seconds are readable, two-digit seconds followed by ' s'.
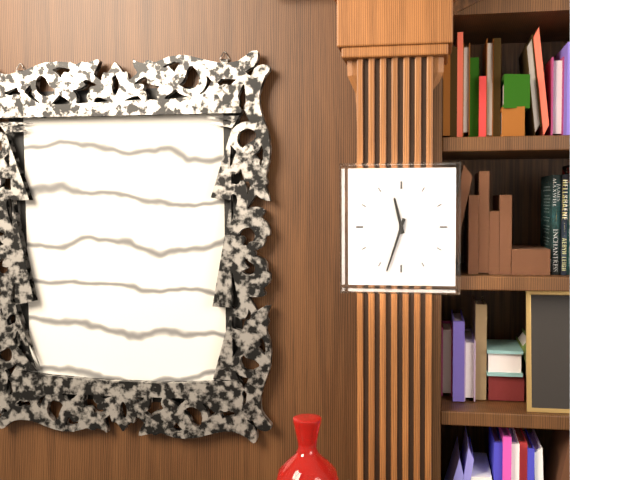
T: 11 h 33 min
